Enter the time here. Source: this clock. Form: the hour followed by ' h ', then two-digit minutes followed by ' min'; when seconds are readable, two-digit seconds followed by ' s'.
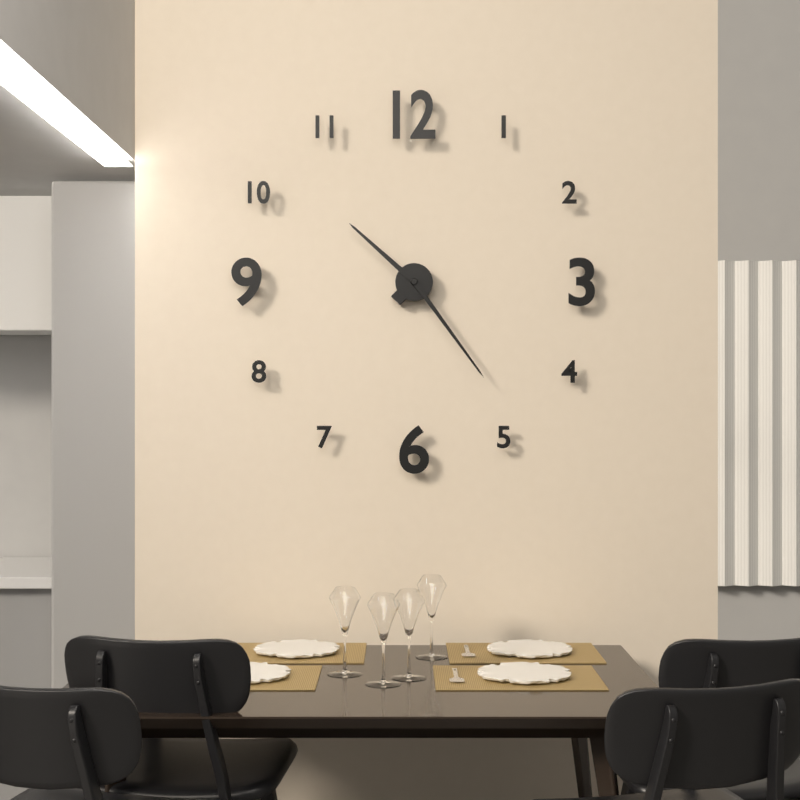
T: 10 h 24 min
